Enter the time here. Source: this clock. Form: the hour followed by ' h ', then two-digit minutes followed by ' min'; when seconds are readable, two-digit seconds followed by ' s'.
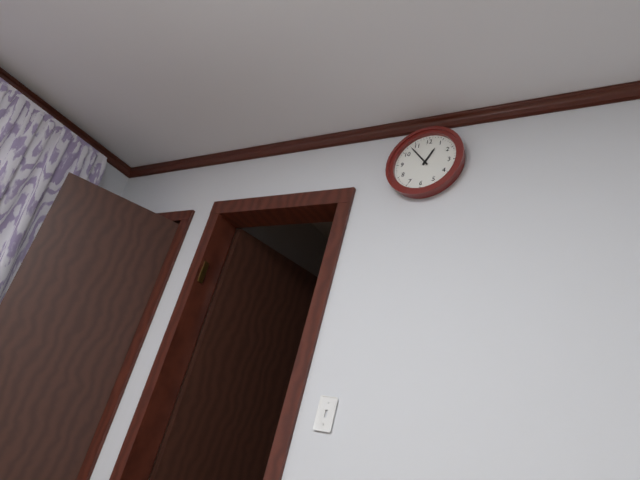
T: 12 h 53 min
